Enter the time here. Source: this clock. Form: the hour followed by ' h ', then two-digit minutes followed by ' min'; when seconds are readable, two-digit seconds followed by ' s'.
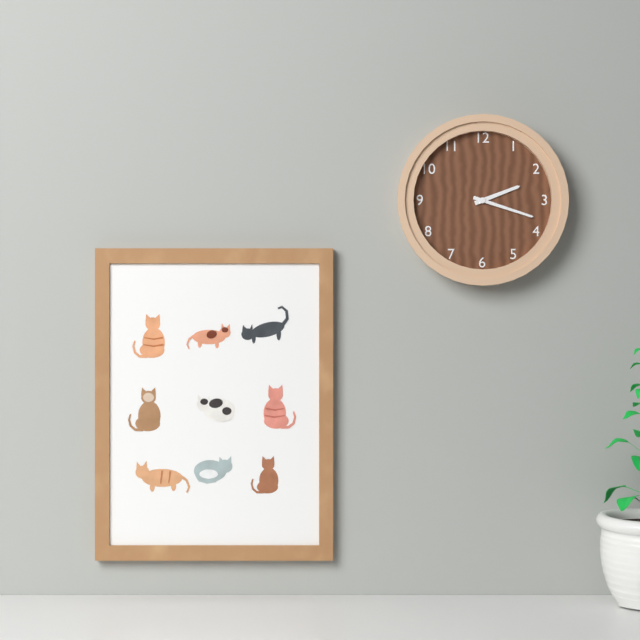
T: 2 h 18 min
